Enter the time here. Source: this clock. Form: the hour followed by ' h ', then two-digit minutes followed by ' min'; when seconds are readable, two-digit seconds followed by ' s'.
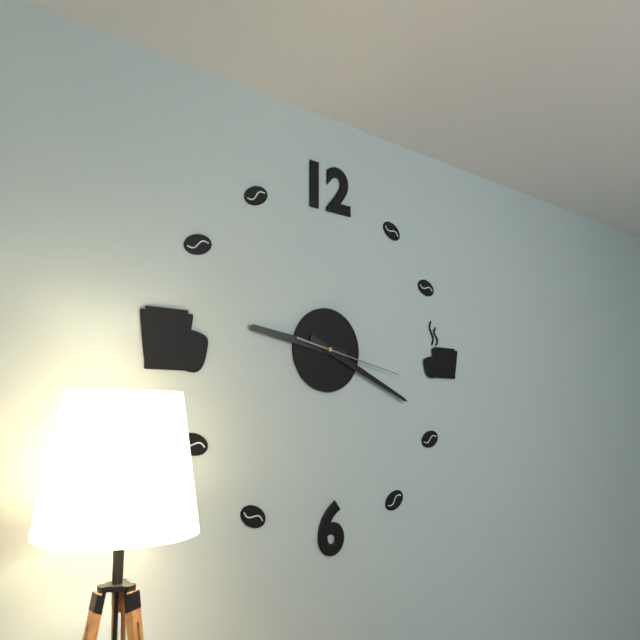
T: 9 h 19 min 17 s
